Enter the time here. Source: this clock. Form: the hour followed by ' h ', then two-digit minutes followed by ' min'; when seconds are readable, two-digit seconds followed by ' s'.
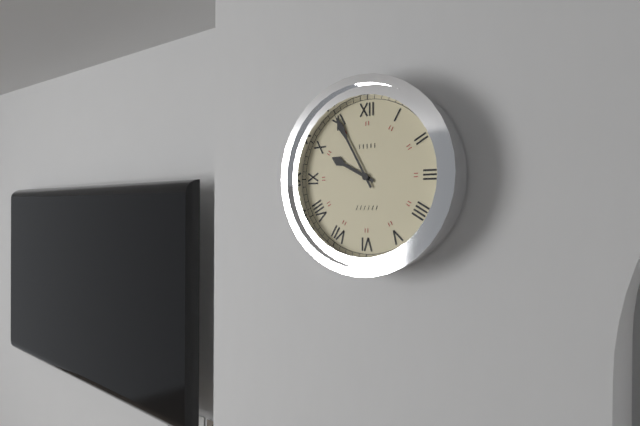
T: 9 h 55 min
